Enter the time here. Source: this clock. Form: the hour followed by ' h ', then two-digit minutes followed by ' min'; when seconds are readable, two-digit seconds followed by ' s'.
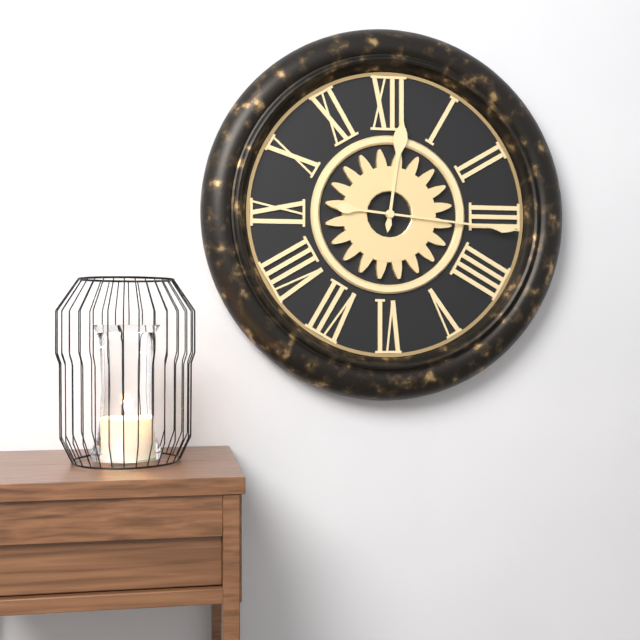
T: 12 h 16 min
